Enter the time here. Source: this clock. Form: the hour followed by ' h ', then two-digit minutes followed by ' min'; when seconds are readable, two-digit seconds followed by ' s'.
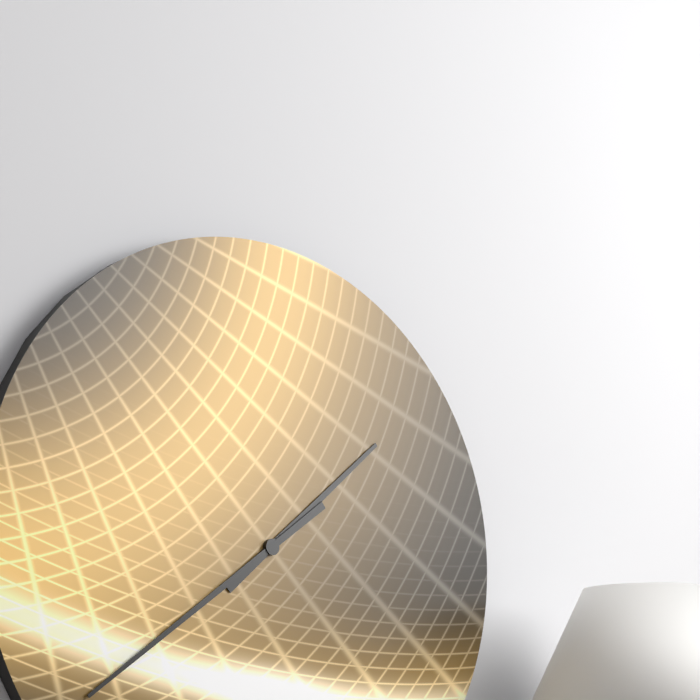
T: 1 h 39 min
